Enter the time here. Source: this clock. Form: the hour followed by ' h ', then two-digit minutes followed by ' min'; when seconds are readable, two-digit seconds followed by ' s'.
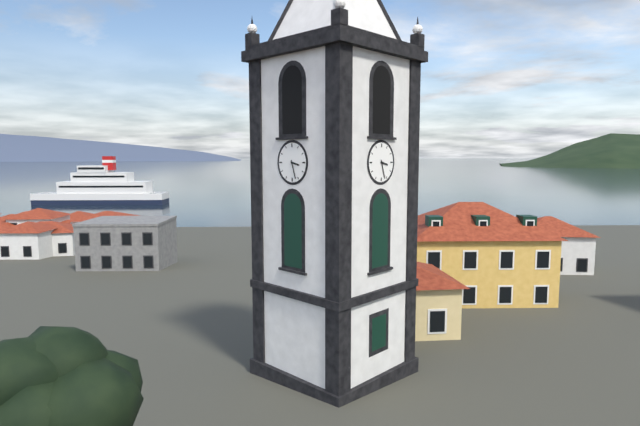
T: 3 h 27 min
